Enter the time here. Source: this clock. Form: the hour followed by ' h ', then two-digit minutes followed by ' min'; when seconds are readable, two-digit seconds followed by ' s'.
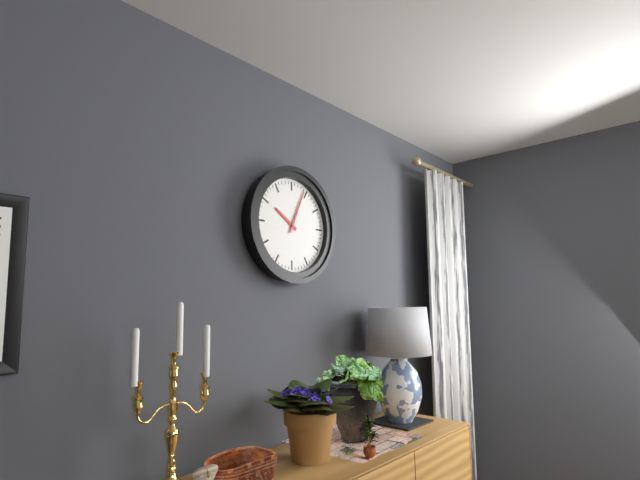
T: 10 h 04 min
